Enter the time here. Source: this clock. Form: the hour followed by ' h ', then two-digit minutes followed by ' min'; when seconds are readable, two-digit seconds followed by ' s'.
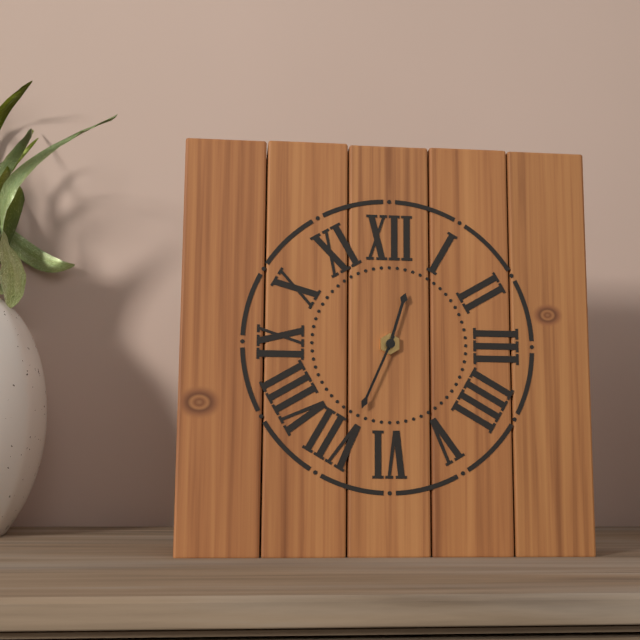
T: 12 h 34 min
